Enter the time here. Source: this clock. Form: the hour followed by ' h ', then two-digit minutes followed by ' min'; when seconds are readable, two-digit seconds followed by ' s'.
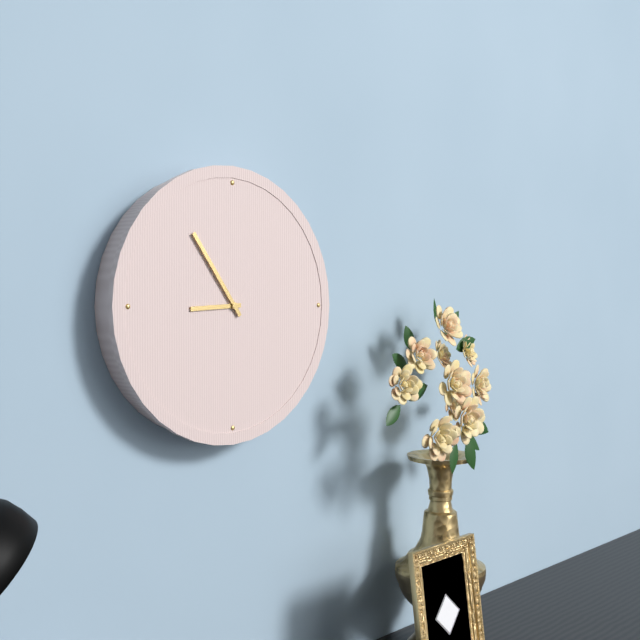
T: 8 h 54 min
